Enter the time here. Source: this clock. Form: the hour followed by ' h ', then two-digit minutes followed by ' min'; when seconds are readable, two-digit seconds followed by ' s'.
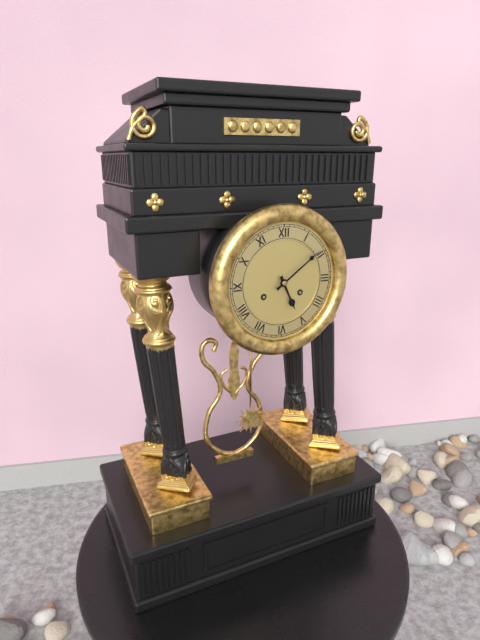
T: 5 h 09 min
